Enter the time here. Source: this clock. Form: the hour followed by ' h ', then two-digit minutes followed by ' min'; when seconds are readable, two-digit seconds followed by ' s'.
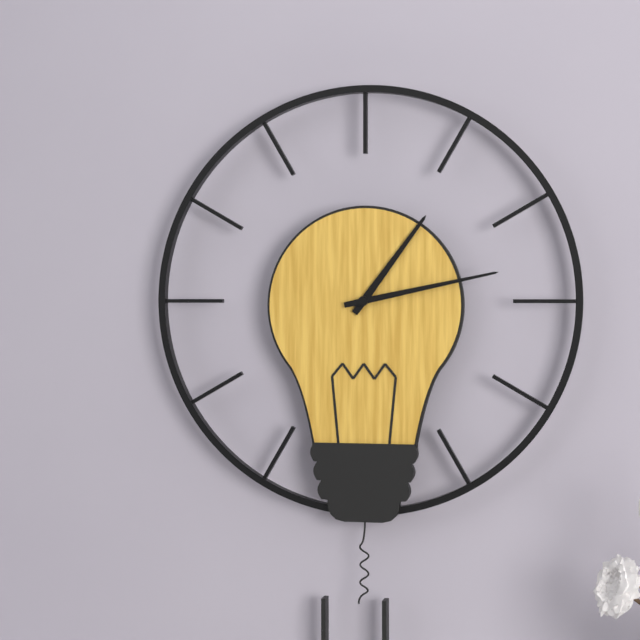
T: 1 h 13 min
